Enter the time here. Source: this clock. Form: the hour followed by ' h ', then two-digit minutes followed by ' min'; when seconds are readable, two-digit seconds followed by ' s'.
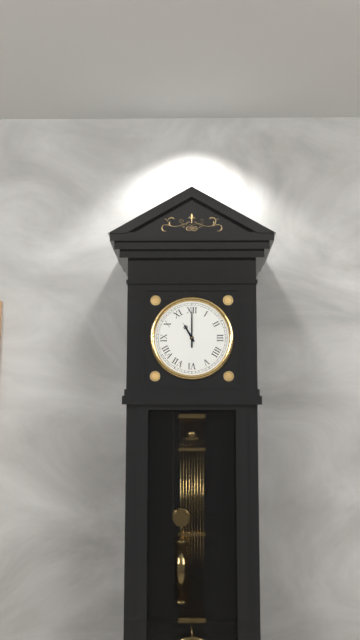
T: 11 h 00 min
